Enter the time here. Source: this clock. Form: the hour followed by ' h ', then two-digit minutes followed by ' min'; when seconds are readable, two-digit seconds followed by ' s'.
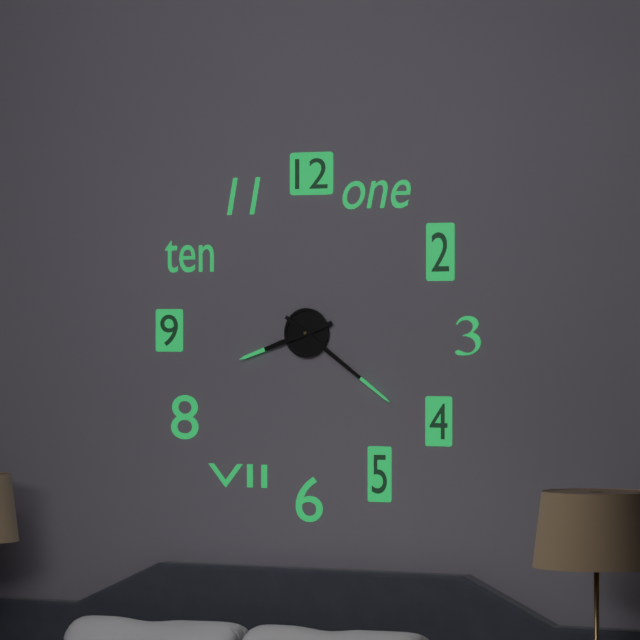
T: 8 h 21 min
